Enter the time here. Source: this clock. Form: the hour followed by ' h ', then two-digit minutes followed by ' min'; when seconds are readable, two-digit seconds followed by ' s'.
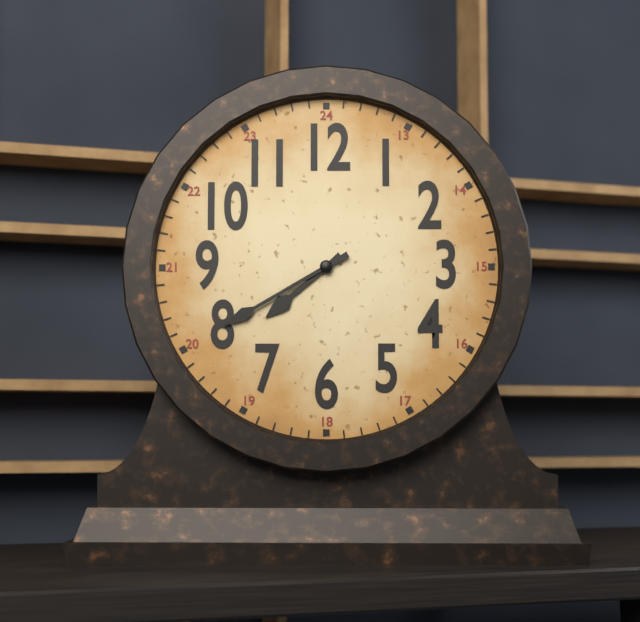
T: 7 h 40 min
